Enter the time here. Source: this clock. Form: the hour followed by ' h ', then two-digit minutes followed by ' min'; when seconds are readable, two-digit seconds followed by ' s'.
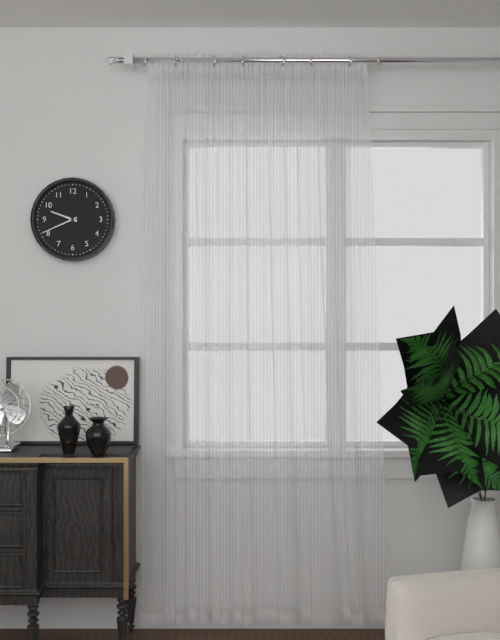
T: 9 h 41 min
